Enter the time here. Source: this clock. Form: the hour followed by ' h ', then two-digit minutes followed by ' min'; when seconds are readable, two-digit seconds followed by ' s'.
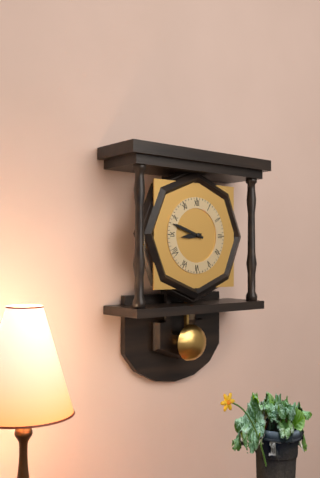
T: 8 h 48 min
